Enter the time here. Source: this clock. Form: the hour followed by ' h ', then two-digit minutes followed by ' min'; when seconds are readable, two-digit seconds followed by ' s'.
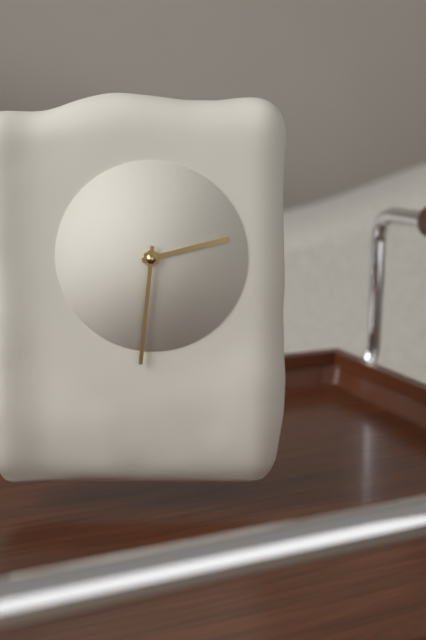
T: 2 h 31 min
